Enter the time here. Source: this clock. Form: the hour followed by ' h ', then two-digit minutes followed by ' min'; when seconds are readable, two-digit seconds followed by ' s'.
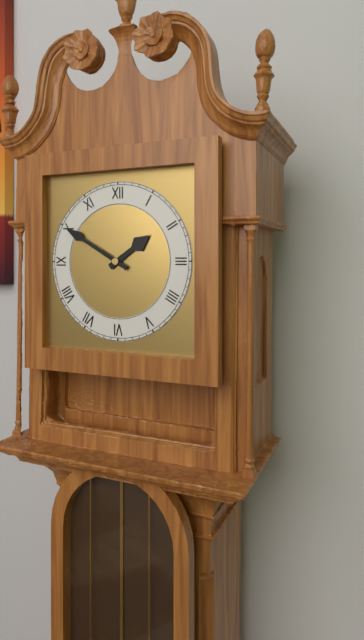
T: 1 h 50 min
